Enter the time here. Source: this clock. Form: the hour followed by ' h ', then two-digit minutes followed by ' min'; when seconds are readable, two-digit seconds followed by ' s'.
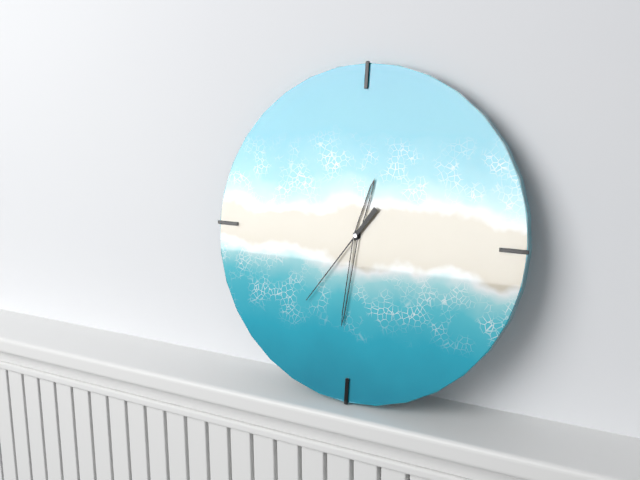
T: 12 h 31 min 36 s
